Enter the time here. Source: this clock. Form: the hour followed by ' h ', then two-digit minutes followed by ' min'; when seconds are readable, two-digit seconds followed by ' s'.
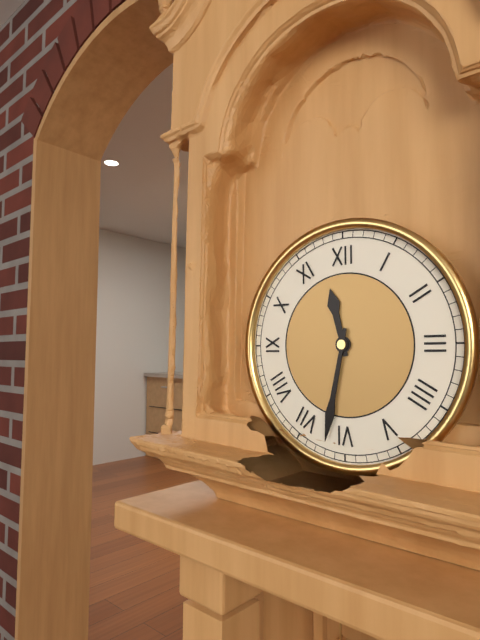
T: 11 h 32 min
